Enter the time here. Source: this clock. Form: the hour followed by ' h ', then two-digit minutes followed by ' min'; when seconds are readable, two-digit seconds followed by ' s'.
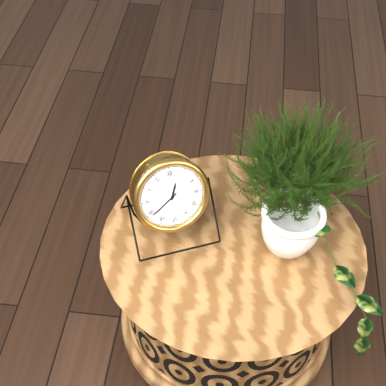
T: 12 h 39 min
